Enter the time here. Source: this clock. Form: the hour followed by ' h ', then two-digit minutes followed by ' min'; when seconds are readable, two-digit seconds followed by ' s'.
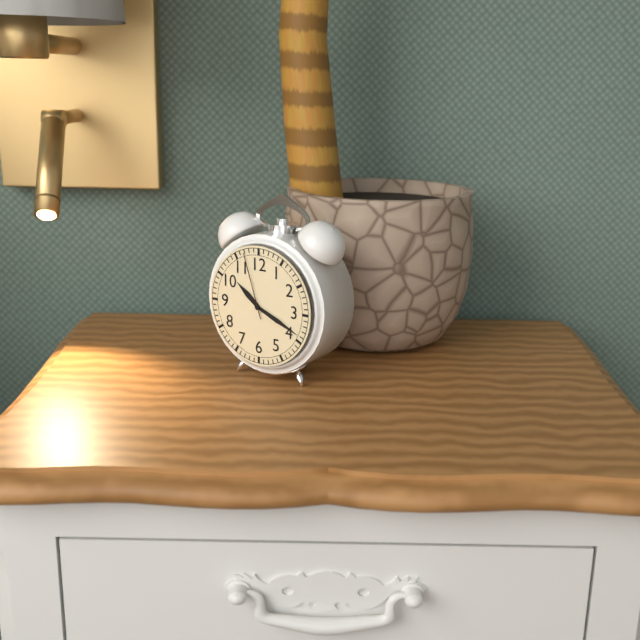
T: 10 h 19 min 57 s
